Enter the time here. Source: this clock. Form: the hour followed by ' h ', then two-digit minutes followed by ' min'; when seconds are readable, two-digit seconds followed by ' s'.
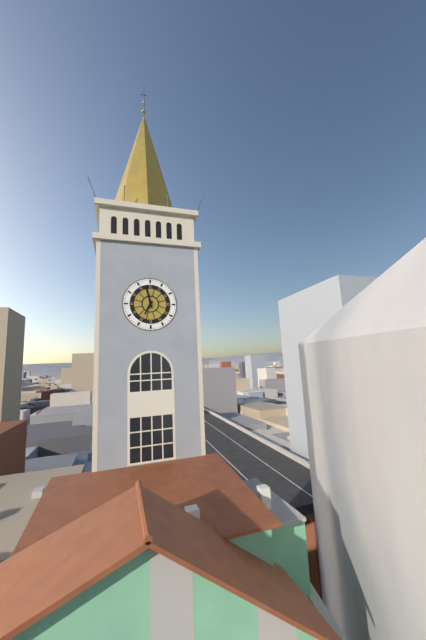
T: 6 h 58 min
